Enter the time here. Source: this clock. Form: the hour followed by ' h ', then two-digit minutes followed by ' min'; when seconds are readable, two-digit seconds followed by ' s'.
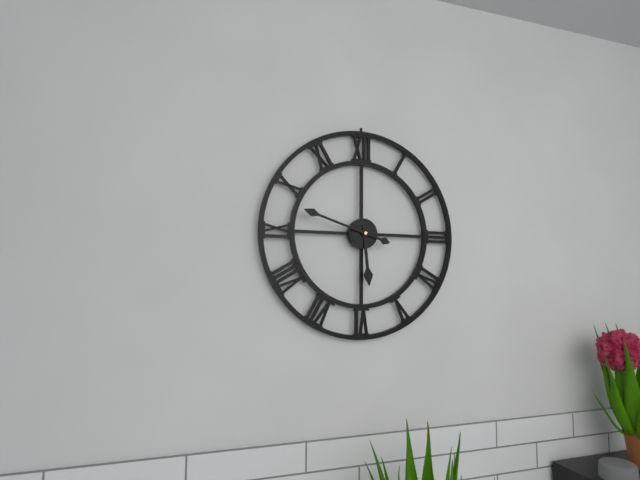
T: 5 h 48 min
